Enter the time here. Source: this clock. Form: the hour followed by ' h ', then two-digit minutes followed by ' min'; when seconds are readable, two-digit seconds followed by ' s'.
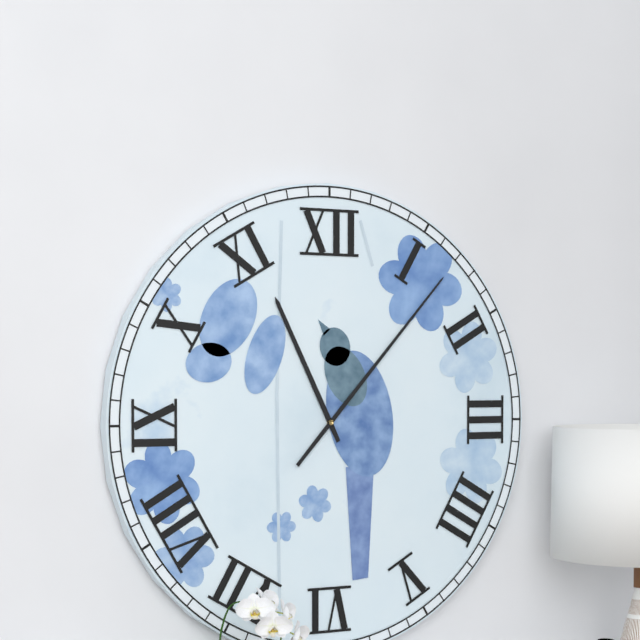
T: 11 h 07 min
